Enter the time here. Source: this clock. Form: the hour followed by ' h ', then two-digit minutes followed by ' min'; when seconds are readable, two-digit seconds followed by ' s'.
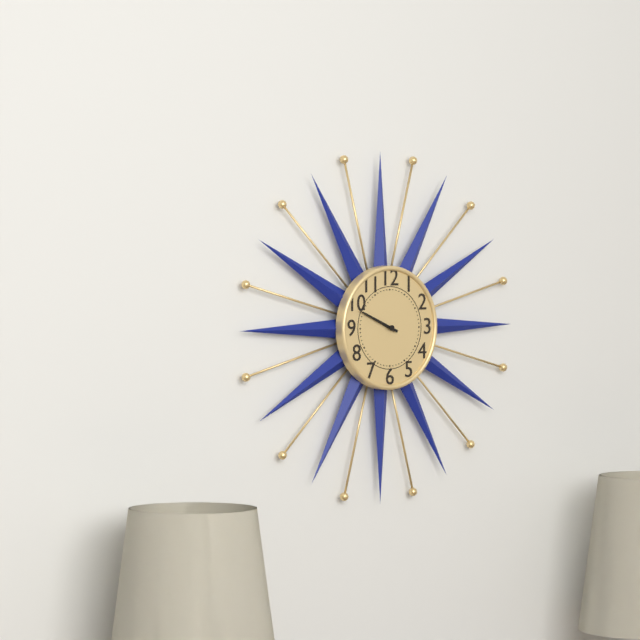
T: 9 h 49 min
